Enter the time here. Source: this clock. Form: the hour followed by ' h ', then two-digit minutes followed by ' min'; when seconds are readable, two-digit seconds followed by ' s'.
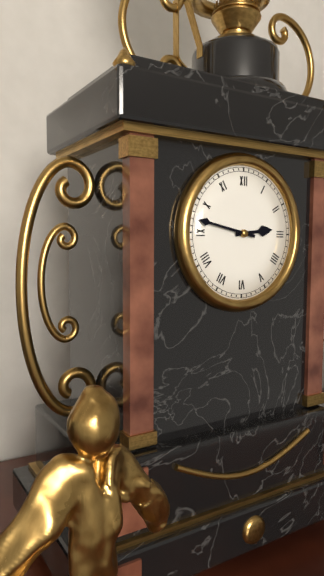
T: 2 h 47 min
